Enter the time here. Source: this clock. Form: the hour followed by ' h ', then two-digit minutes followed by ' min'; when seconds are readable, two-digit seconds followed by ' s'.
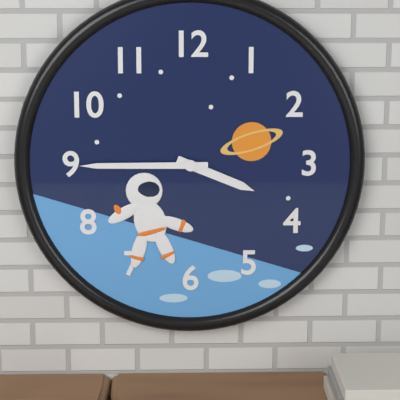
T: 3 h 45 min
